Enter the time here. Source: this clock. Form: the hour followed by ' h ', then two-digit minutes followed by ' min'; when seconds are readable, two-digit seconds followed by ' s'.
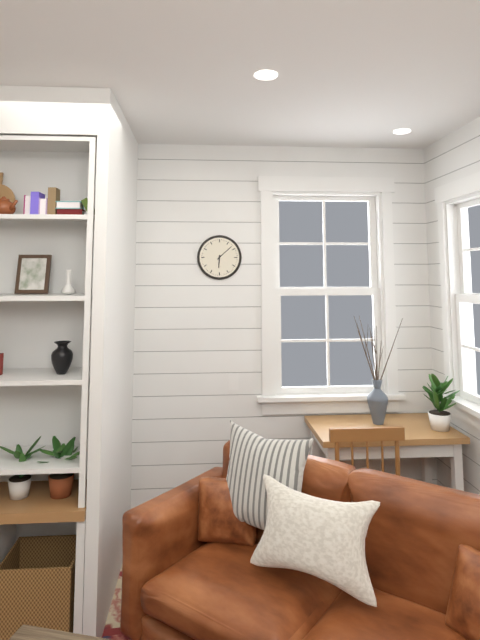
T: 6 h 08 min
